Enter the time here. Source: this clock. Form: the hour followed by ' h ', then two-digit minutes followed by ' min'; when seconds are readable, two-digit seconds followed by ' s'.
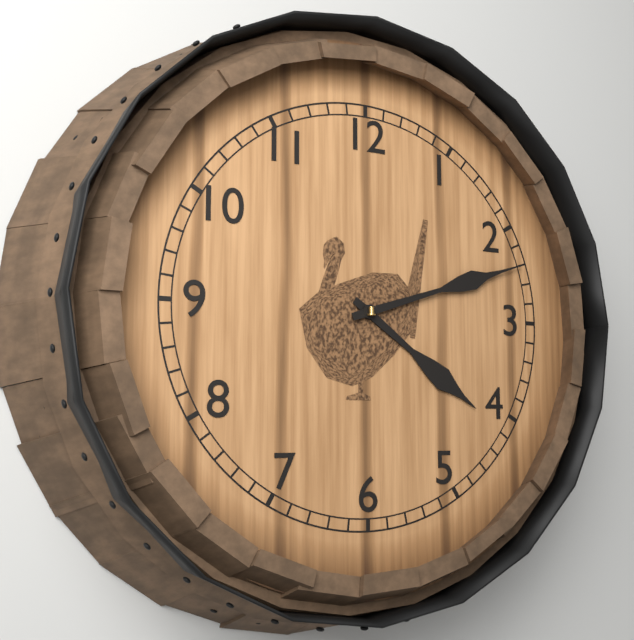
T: 4 h 12 min
